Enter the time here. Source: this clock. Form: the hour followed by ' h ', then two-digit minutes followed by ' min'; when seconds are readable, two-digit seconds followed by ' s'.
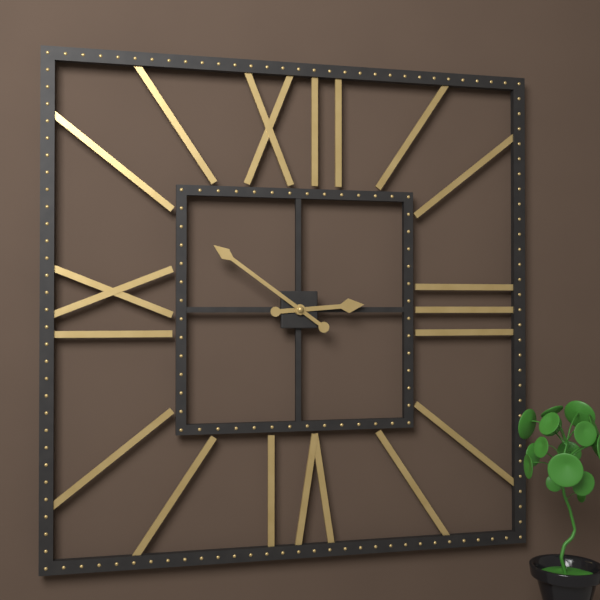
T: 2 h 51 min
